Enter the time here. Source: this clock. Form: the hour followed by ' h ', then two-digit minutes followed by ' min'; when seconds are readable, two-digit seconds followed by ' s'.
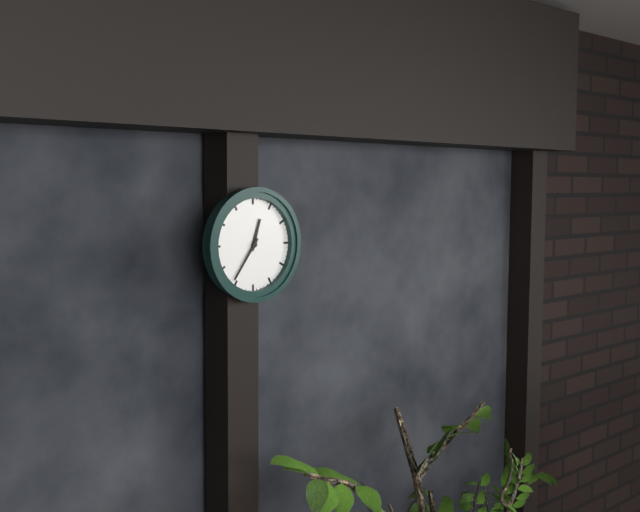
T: 12 h 36 min
